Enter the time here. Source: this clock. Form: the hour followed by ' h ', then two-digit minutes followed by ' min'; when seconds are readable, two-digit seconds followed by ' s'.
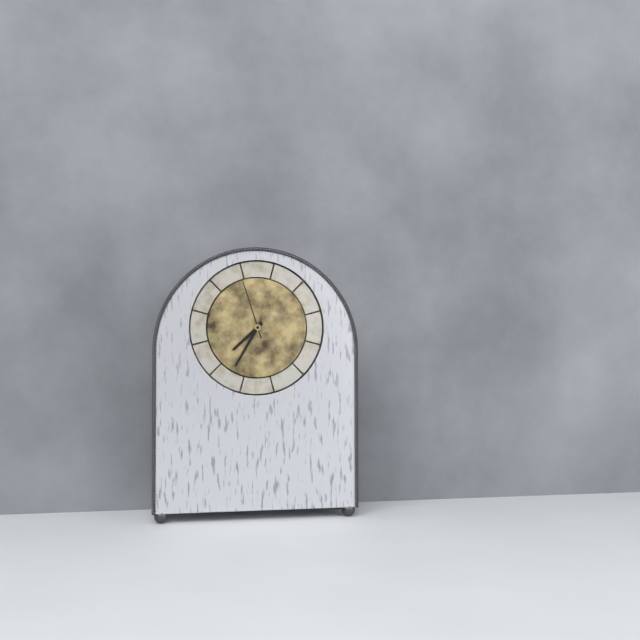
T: 7 h 35 min 57 s
